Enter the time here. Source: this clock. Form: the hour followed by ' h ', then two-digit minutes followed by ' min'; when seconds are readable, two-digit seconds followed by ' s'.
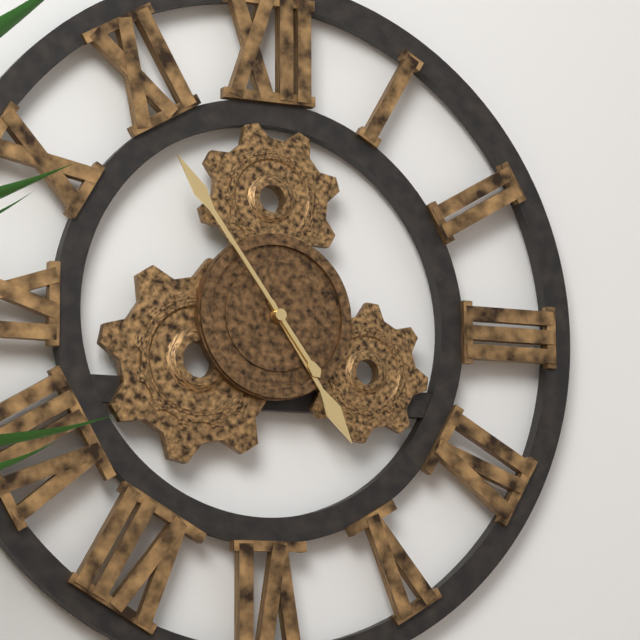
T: 4 h 54 min
